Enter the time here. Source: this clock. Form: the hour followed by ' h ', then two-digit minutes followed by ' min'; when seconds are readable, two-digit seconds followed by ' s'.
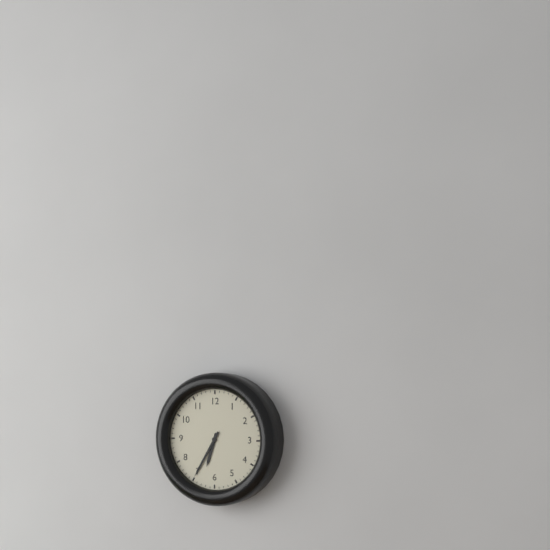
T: 6 h 35 min
